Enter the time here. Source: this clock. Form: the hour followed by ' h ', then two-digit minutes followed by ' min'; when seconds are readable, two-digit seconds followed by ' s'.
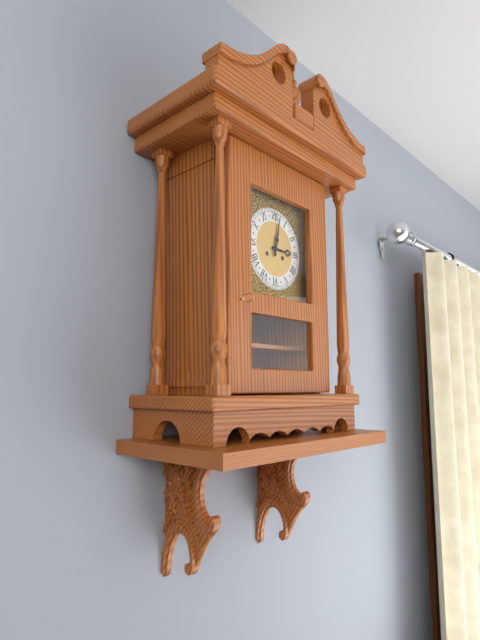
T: 3 h 02 min
